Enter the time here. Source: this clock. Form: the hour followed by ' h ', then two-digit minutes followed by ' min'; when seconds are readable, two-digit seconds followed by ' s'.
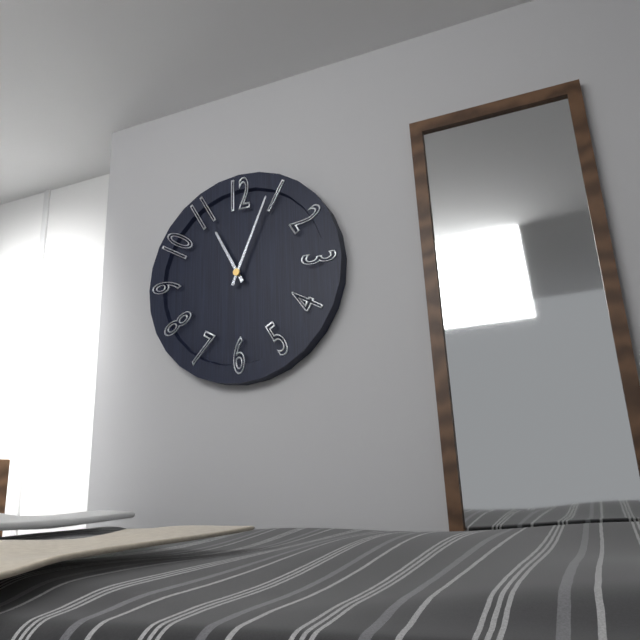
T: 11 h 04 min
